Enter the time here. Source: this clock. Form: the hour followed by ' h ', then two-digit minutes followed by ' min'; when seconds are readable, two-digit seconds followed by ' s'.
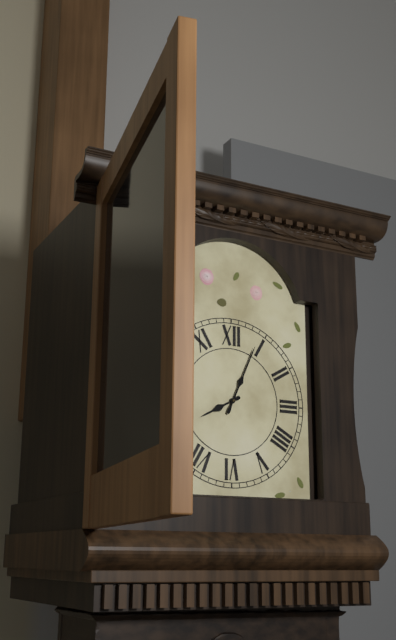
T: 8 h 04 min
